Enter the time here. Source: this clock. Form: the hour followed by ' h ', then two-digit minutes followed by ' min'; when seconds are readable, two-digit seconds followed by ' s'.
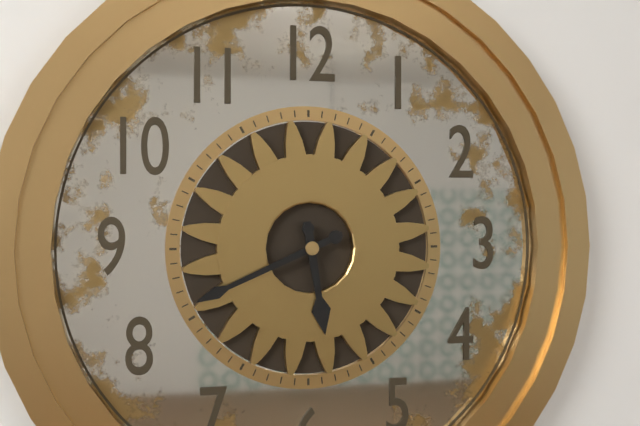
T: 5 h 41 min
